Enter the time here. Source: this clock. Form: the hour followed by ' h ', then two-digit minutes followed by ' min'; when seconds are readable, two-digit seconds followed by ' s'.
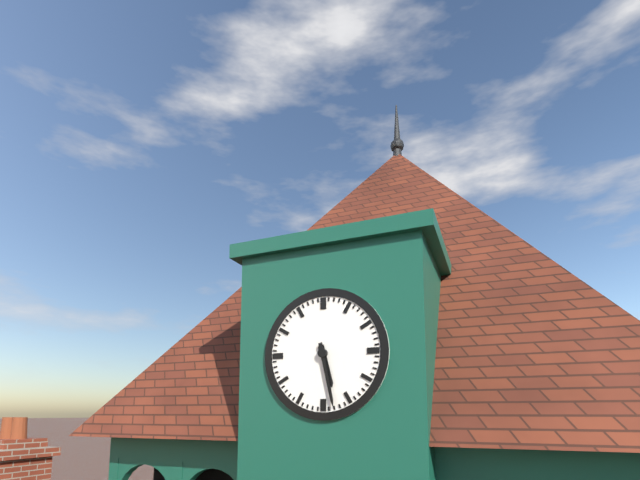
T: 5 h 28 min
